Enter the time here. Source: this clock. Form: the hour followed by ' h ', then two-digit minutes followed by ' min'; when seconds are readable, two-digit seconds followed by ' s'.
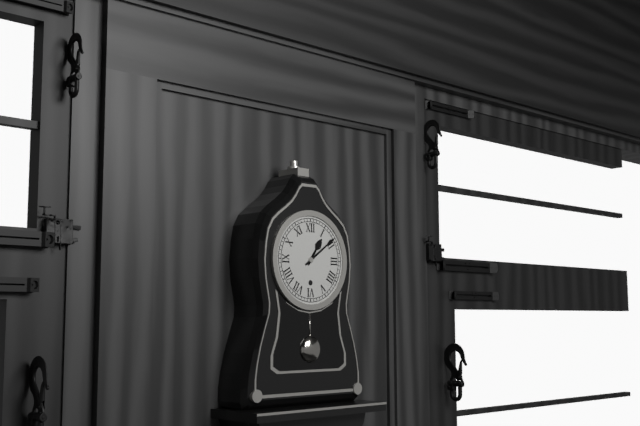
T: 1 h 09 min
